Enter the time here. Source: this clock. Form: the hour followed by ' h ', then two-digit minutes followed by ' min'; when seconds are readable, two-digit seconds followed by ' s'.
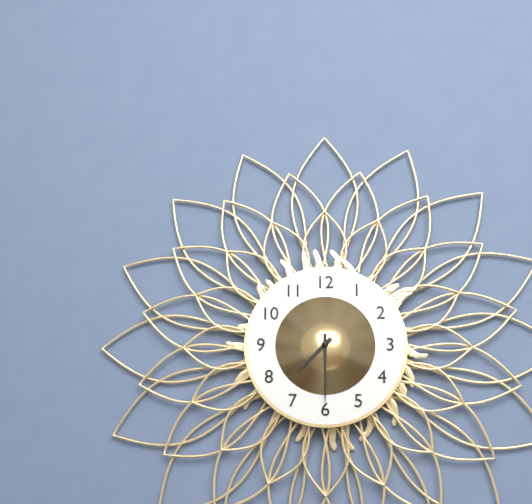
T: 7 h 30 min
